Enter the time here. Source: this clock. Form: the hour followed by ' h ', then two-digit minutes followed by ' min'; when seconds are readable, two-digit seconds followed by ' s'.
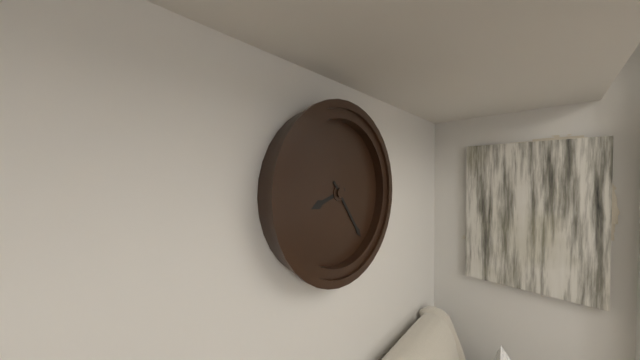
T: 8 h 24 min
